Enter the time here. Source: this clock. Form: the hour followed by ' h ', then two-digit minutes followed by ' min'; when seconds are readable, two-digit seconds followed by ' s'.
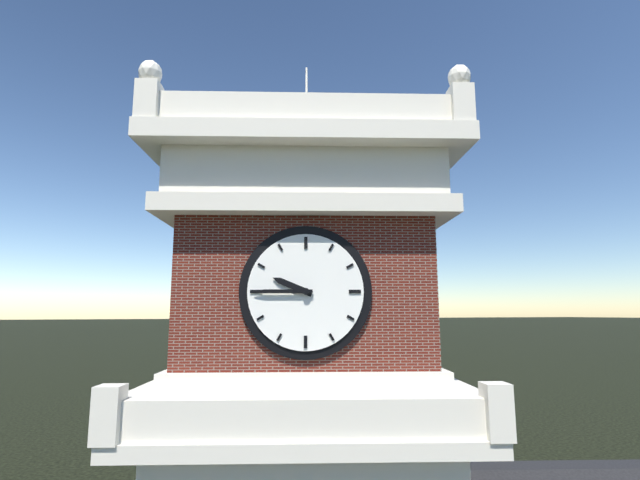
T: 9 h 45 min
